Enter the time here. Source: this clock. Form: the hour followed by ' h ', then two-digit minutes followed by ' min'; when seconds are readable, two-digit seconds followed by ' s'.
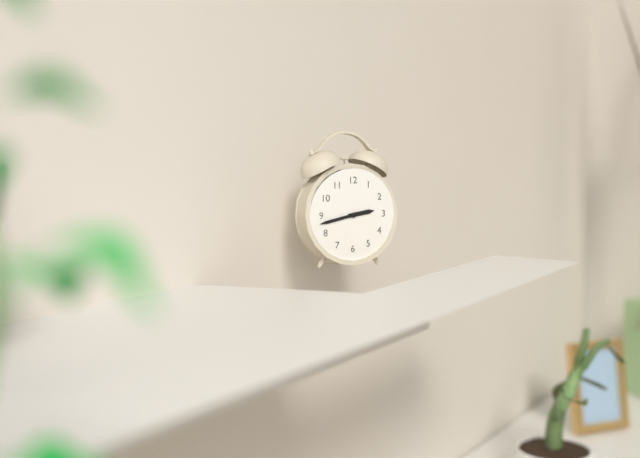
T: 2 h 43 min
